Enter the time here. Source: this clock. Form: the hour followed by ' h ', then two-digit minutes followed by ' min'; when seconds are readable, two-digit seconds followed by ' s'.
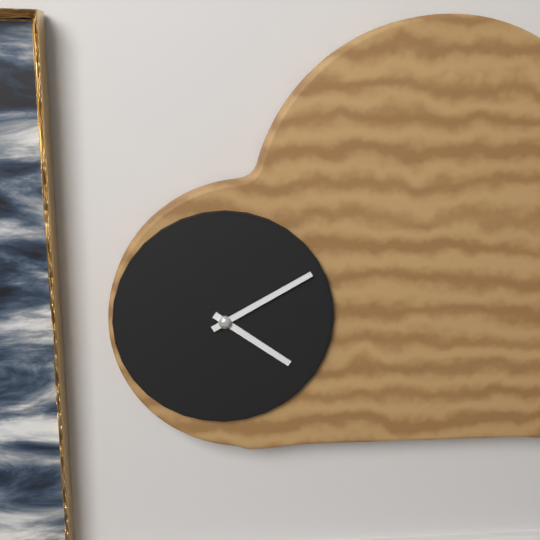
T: 4 h 10 min
